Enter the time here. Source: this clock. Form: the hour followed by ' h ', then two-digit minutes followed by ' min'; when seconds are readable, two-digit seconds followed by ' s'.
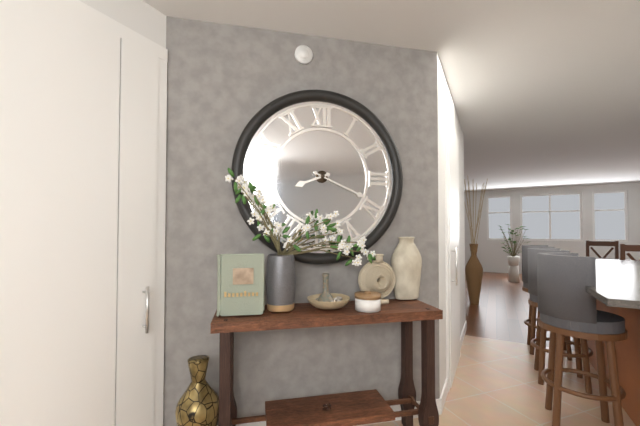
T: 8 h 19 min
